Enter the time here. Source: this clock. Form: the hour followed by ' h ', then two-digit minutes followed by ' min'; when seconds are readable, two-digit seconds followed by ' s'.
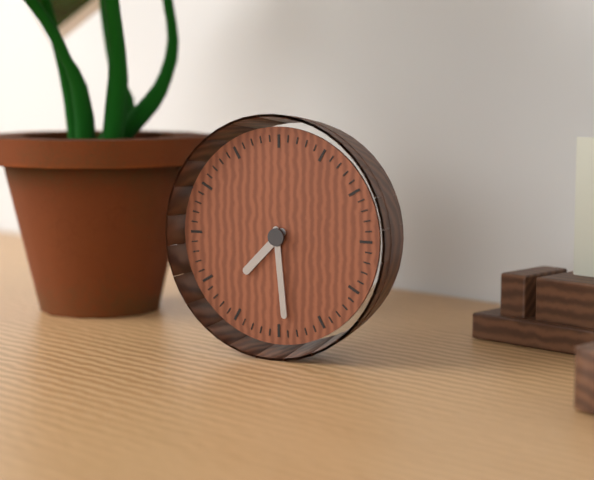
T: 7 h 29 min
